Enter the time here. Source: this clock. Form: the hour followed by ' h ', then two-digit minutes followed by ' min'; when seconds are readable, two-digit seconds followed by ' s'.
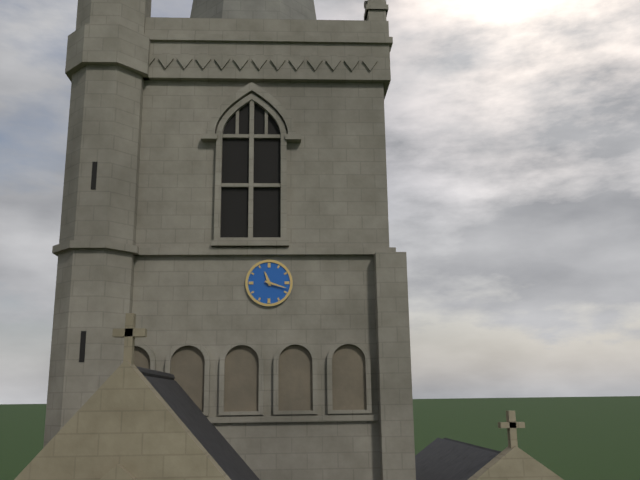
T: 11 h 18 min
